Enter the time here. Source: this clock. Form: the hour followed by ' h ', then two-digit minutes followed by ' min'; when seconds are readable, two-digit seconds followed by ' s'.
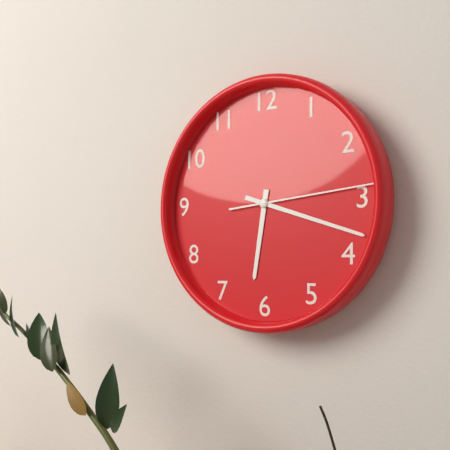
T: 6 h 18 min 14 s
